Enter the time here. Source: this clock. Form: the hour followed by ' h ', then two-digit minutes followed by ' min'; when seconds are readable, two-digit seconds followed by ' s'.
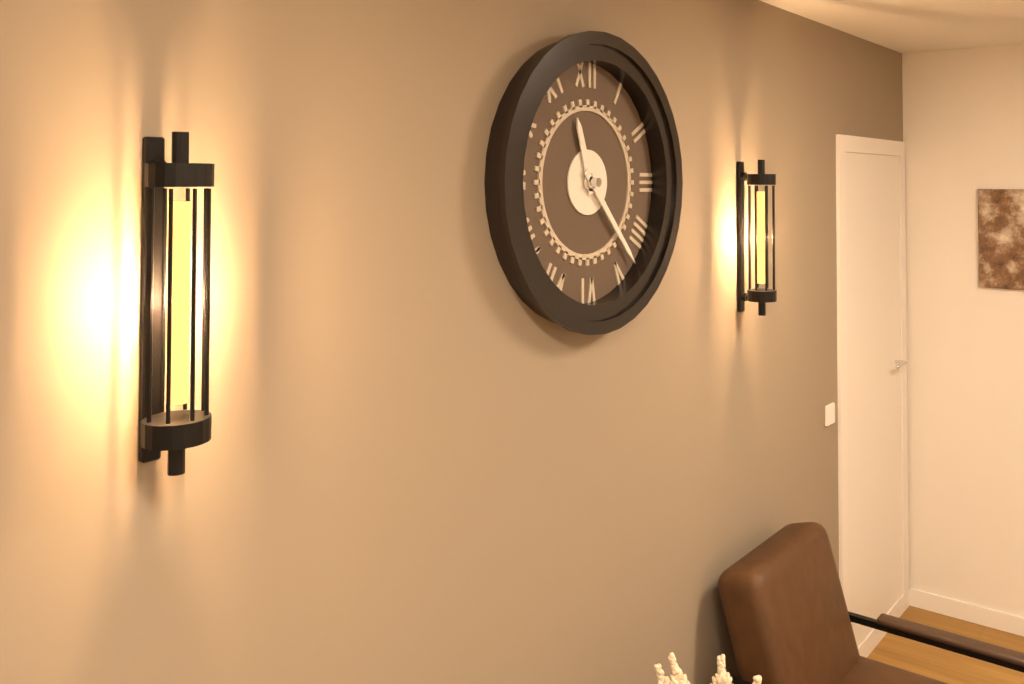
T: 11 h 23 min
